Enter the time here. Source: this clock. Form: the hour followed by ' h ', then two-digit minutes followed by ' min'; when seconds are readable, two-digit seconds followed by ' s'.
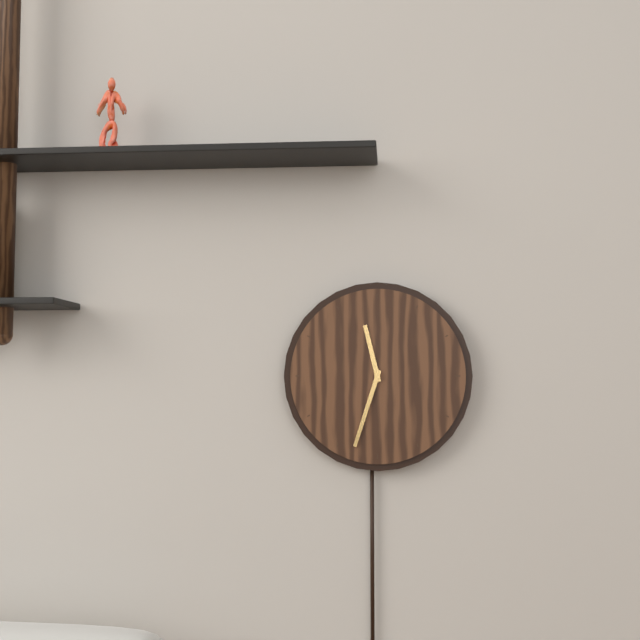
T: 11 h 33 min
